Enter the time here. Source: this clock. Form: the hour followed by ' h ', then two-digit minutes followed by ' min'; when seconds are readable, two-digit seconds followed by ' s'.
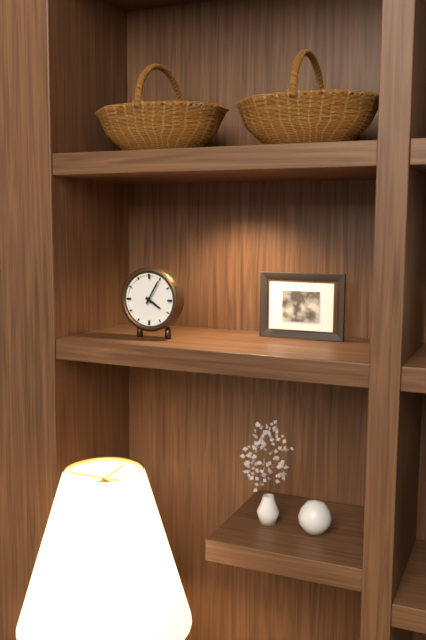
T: 4 h 05 min
